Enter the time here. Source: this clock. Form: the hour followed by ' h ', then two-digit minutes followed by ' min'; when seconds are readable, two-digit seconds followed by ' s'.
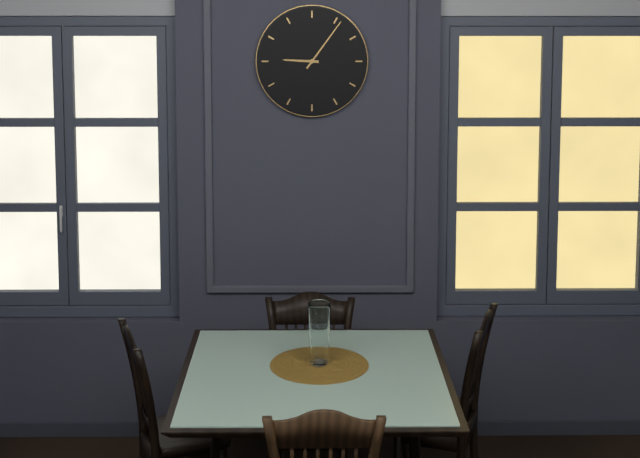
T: 9 h 06 min
